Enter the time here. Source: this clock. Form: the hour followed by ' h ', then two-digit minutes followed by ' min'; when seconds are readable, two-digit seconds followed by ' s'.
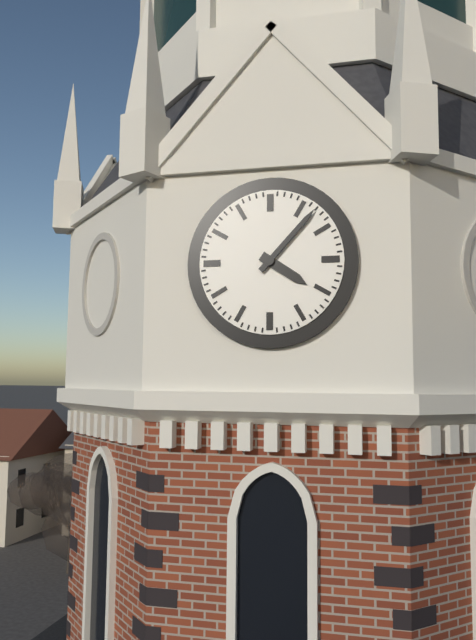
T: 4 h 07 min
